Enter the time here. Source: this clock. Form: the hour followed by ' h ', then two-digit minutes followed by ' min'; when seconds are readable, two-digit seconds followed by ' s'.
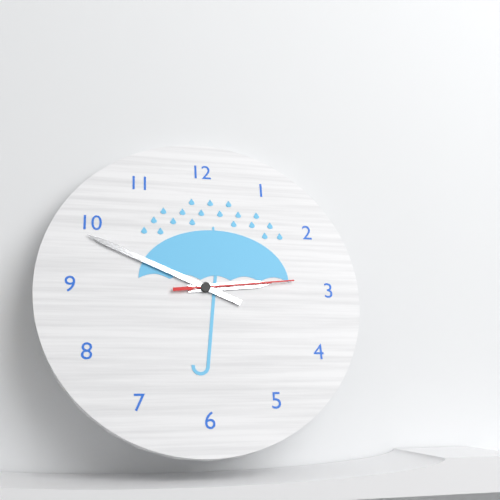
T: 2 h 49 min 14 s
